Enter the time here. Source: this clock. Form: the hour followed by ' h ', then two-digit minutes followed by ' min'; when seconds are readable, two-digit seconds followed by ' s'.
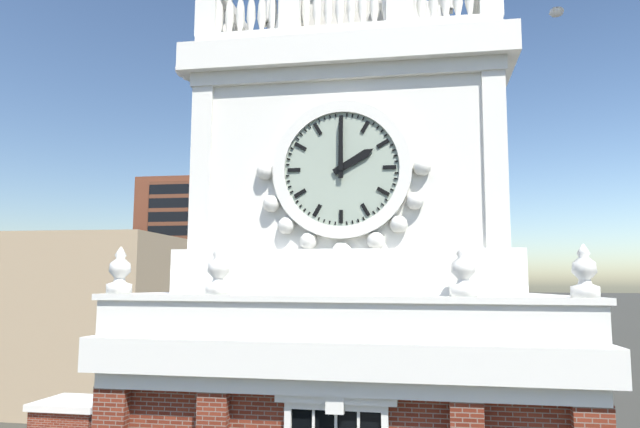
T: 2 h 00 min
